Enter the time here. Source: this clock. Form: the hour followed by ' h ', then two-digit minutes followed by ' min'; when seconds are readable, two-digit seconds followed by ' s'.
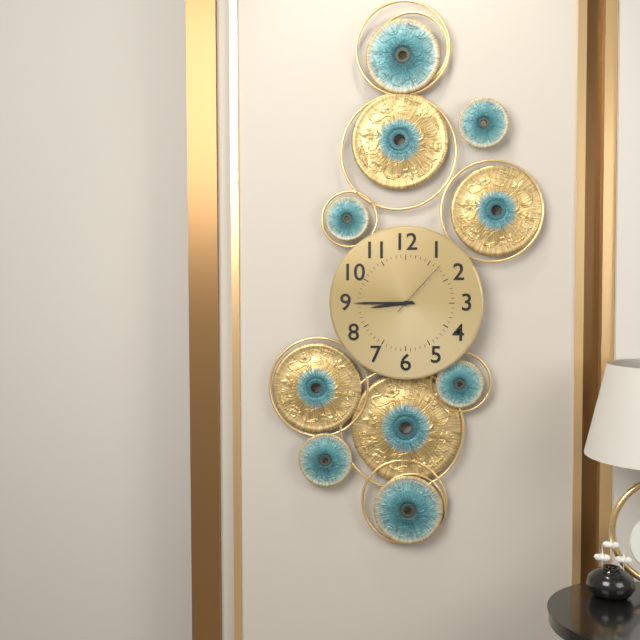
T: 8 h 45 min 07 s
